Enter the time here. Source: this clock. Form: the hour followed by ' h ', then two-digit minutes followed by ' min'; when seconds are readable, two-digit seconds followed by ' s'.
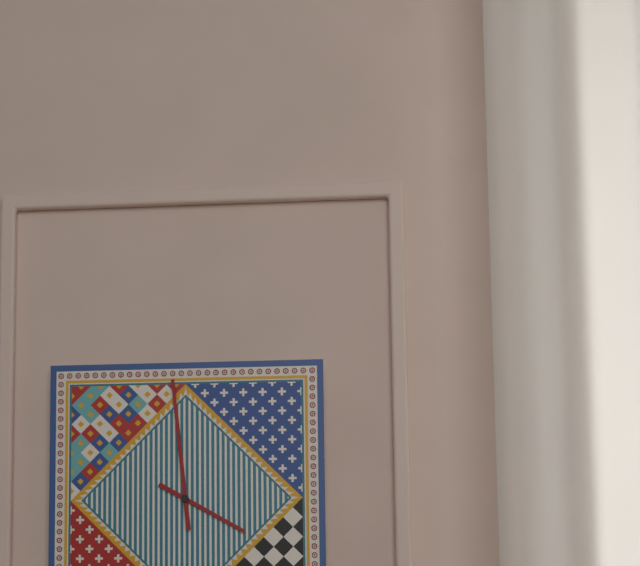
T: 3 h 59 min
